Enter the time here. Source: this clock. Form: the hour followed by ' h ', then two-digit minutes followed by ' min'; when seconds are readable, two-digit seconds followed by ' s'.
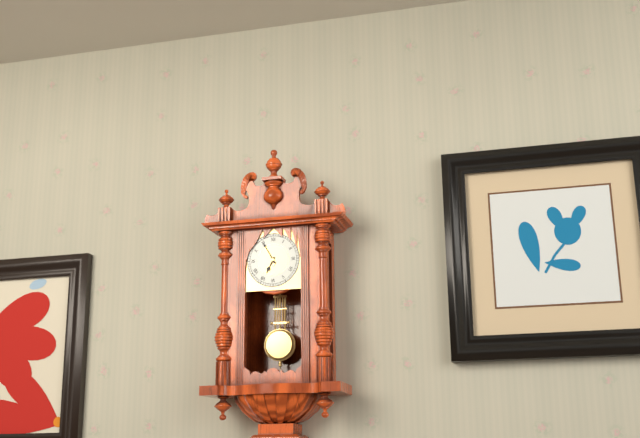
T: 6 h 55 min
